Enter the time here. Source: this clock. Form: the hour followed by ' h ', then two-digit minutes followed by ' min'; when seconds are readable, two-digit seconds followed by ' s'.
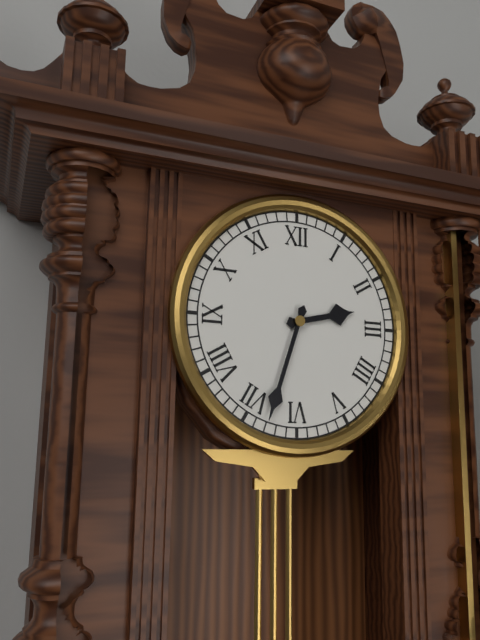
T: 2 h 33 min
